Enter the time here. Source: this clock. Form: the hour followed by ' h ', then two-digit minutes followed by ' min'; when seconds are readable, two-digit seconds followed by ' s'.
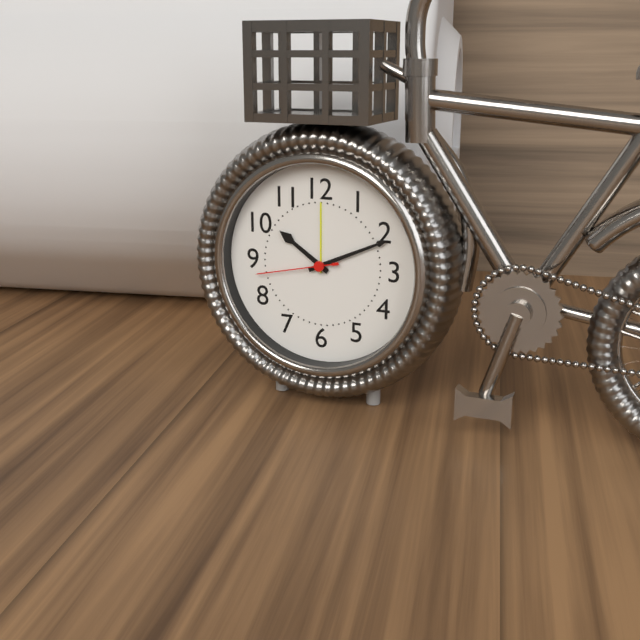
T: 10 h 11 min 43 s
